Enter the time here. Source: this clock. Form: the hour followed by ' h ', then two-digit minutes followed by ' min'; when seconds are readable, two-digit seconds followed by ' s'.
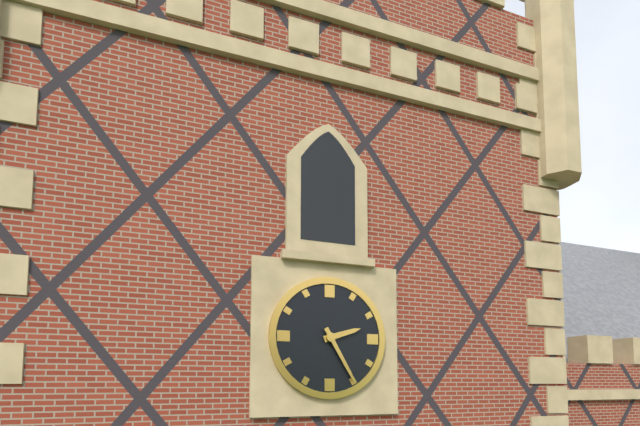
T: 2 h 25 min
